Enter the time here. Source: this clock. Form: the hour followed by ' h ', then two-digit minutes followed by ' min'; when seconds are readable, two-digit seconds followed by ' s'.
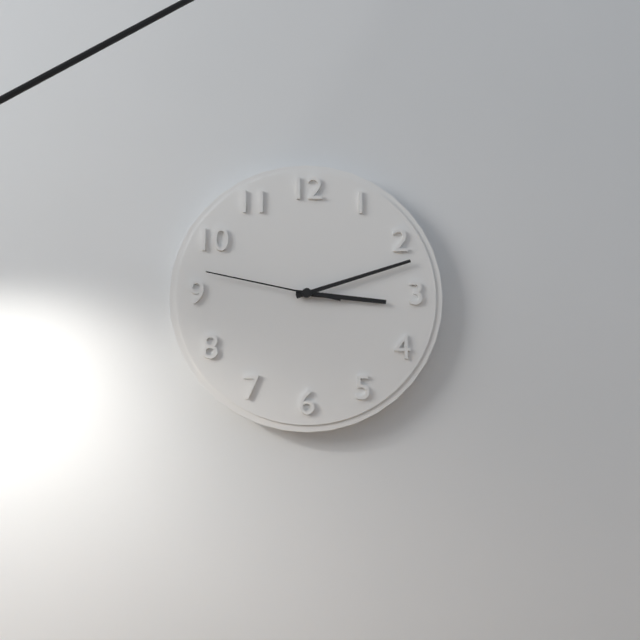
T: 3 h 12 min 47 s
